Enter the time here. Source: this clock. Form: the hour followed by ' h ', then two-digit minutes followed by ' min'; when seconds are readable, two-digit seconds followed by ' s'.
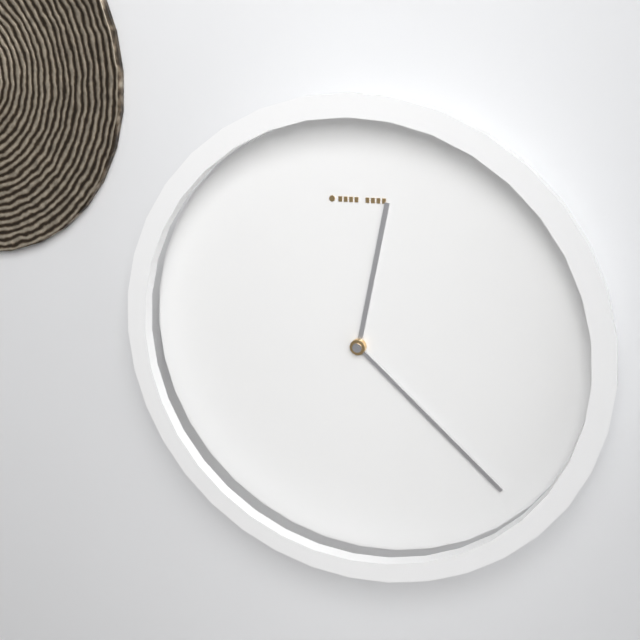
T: 12 h 22 min
